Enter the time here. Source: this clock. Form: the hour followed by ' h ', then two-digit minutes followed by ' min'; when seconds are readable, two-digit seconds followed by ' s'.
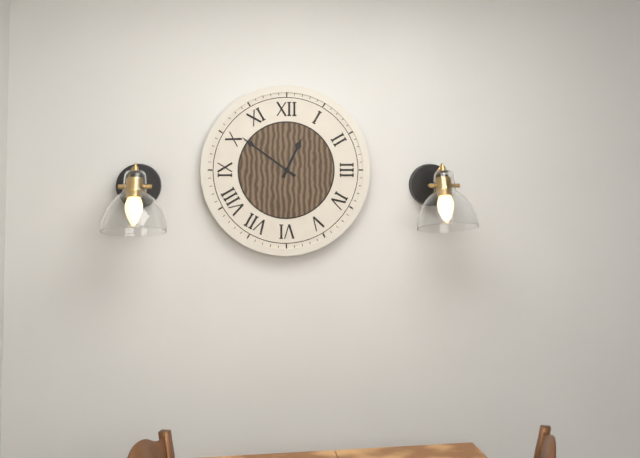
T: 12 h 51 min
